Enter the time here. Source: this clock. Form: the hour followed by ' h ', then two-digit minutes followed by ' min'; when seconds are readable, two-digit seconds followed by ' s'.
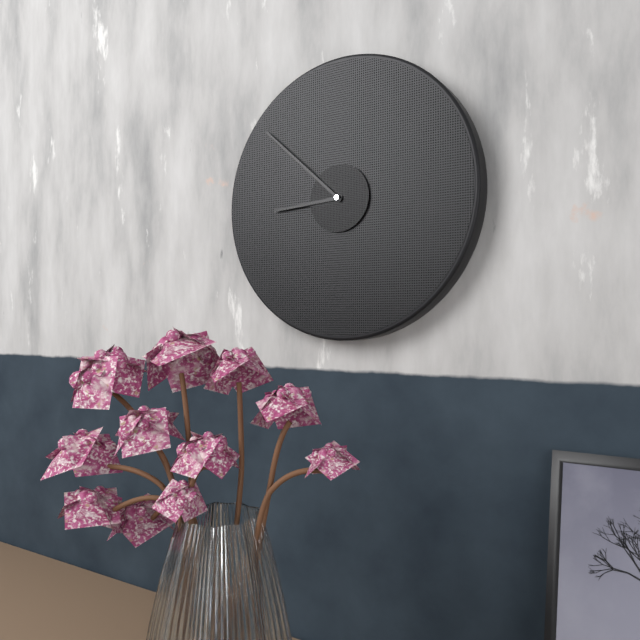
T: 8 h 52 min
